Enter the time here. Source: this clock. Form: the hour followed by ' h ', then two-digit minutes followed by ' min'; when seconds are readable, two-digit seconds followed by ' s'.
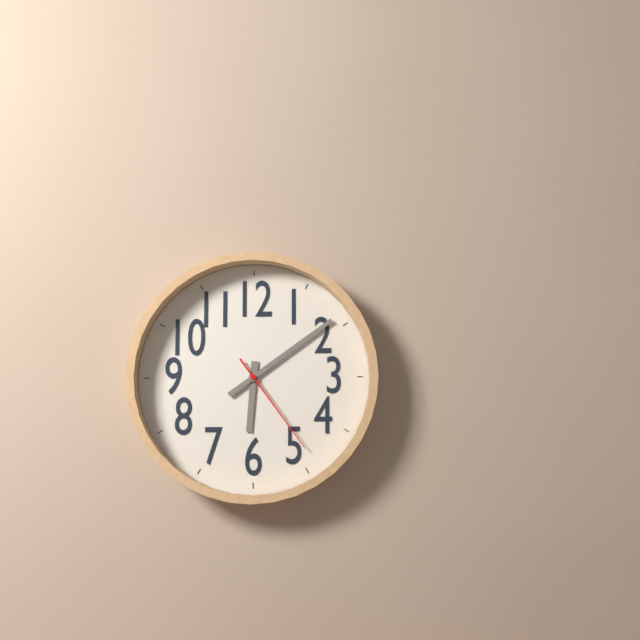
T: 6 h 09 min 24 s
